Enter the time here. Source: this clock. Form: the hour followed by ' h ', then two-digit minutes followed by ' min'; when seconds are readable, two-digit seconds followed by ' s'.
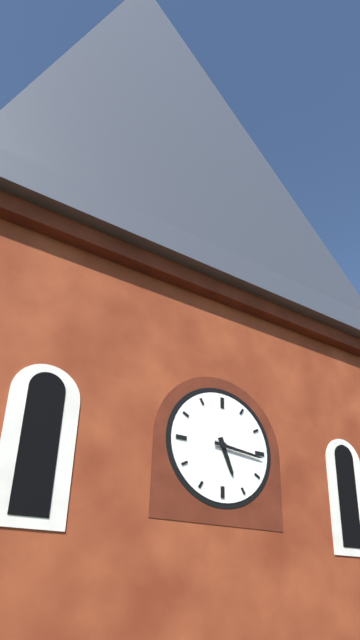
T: 5 h 16 min
